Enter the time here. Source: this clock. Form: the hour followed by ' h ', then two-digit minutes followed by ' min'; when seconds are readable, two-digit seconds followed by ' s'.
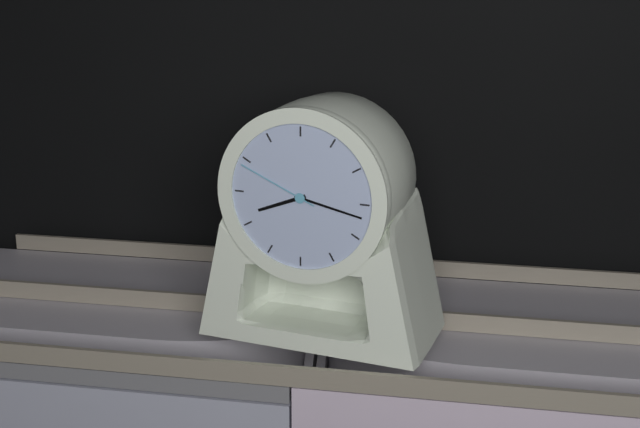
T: 8 h 17 min 49 s
